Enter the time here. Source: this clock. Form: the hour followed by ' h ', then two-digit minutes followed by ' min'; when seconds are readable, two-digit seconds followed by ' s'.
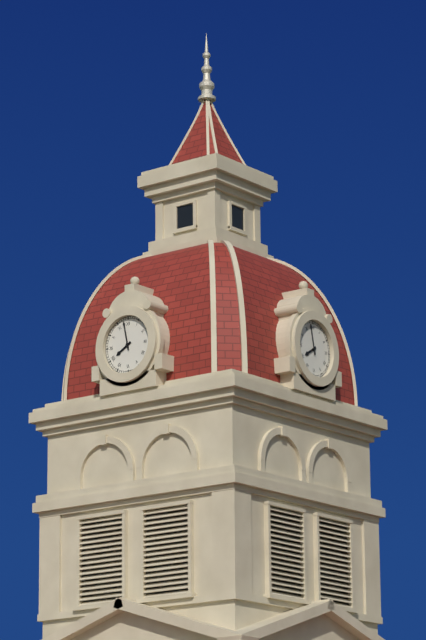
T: 7 h 58 min
